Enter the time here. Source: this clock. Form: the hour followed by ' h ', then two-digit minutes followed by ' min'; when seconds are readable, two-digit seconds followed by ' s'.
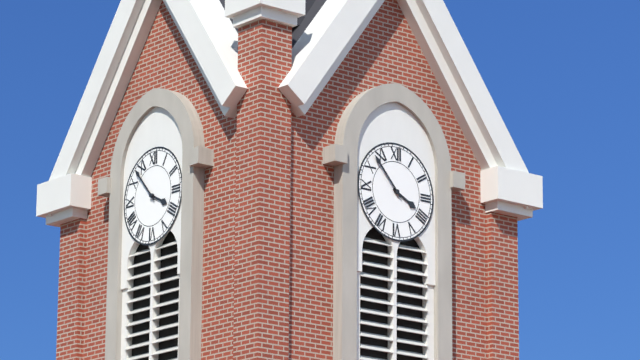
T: 3 h 53 min
